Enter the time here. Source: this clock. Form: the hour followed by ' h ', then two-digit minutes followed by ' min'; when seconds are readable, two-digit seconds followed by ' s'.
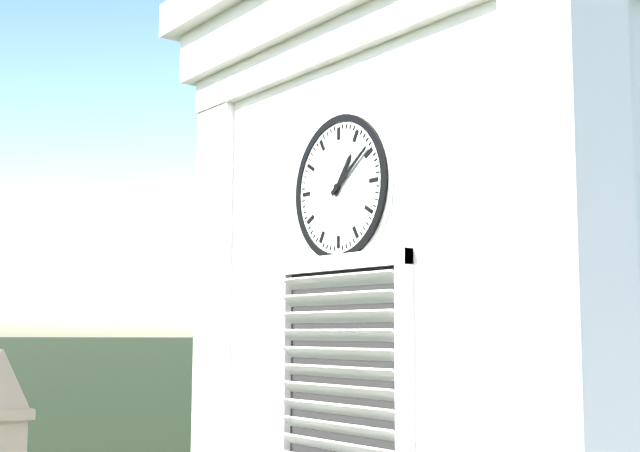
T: 1 h 09 min
